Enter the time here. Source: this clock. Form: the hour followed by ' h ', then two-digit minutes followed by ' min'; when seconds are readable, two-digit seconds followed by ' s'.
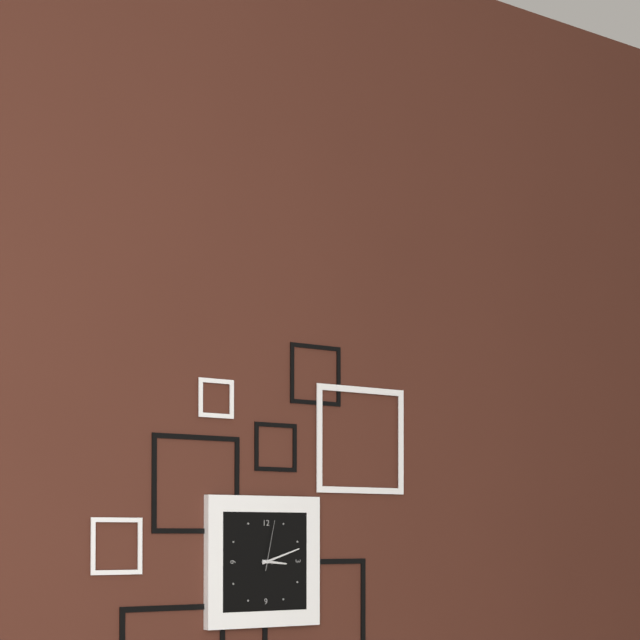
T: 3 h 12 min 02 s
